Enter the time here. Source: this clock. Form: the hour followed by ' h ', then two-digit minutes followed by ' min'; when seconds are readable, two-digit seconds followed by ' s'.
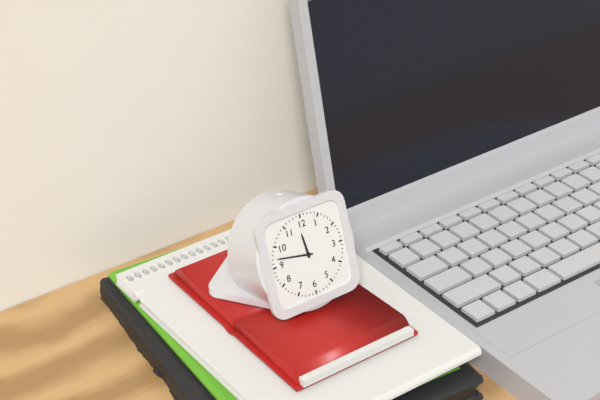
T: 11 h 47 min
